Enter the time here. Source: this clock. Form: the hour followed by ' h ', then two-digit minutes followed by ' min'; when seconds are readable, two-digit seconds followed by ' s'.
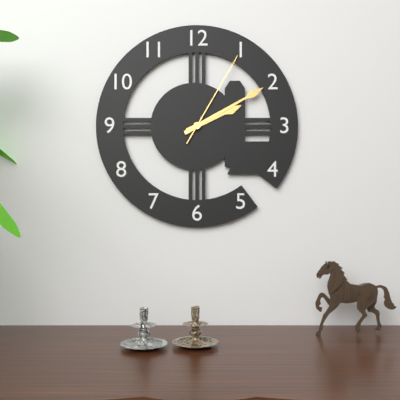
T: 2 h 10 min 05 s
